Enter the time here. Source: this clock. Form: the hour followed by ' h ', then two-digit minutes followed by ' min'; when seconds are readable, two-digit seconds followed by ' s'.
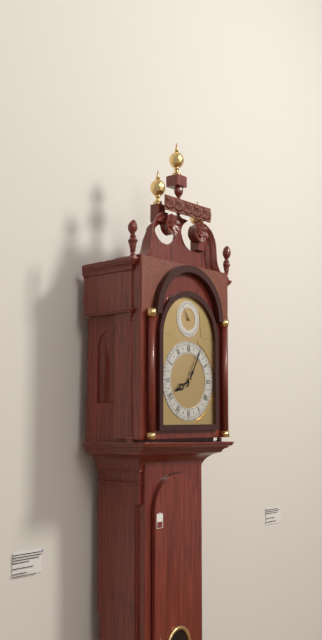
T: 8 h 05 min
